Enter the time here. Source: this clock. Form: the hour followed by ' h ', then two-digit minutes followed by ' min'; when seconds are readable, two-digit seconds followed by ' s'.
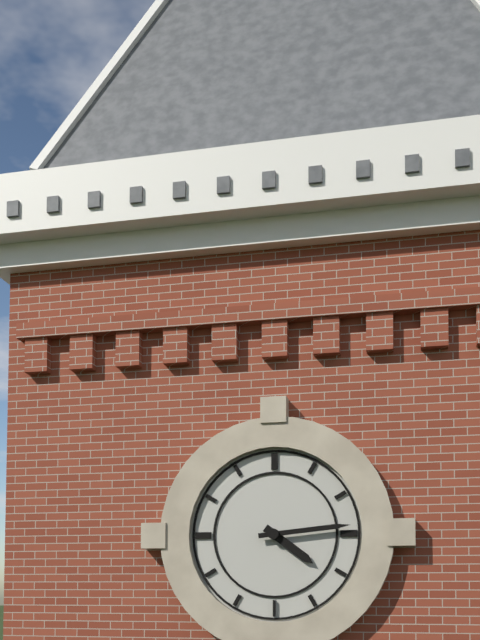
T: 4 h 14 min
